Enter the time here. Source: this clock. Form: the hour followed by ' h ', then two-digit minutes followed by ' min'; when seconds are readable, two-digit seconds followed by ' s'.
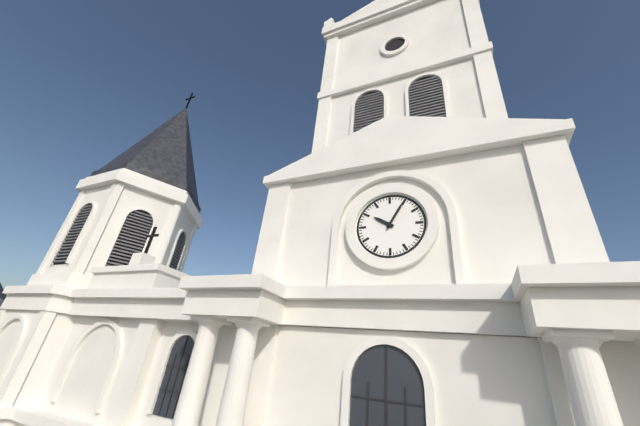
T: 10 h 05 min
